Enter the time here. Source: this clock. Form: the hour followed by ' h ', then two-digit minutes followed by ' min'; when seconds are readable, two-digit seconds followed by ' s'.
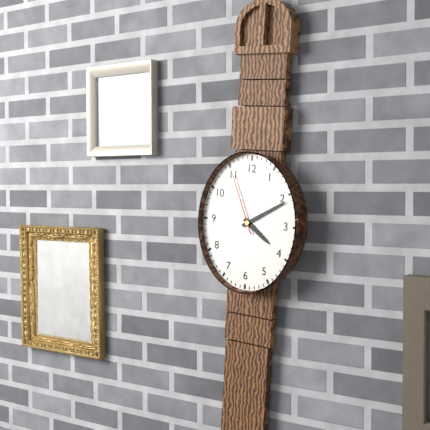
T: 4 h 10 min 56 s
